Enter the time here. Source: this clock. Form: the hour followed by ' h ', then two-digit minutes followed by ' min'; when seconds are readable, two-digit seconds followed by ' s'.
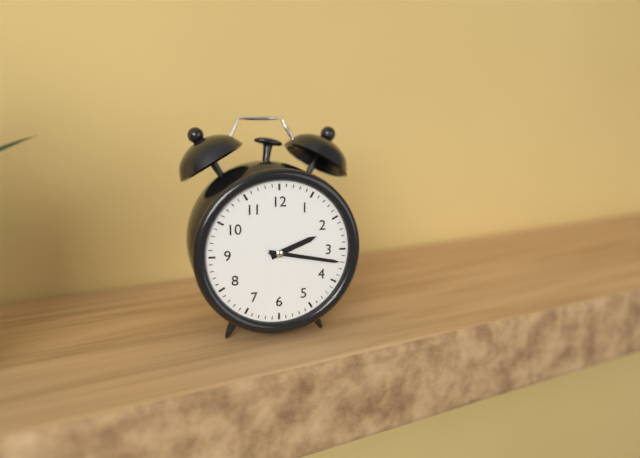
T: 2 h 17 min
